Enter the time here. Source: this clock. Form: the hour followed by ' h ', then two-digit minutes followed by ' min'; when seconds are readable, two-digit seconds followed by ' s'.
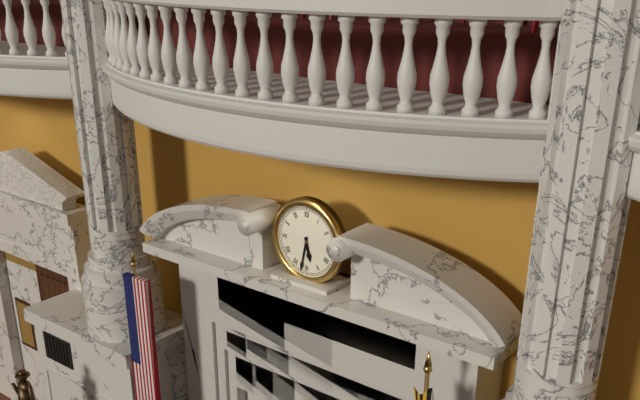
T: 5 h 32 min
